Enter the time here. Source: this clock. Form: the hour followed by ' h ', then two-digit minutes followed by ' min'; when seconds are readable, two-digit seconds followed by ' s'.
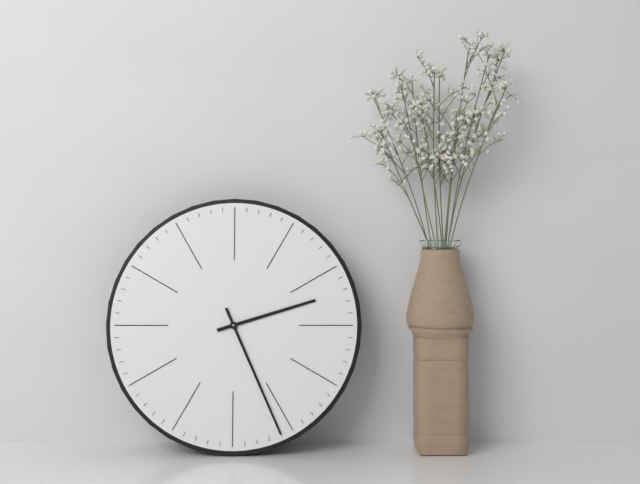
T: 2 h 26 min
